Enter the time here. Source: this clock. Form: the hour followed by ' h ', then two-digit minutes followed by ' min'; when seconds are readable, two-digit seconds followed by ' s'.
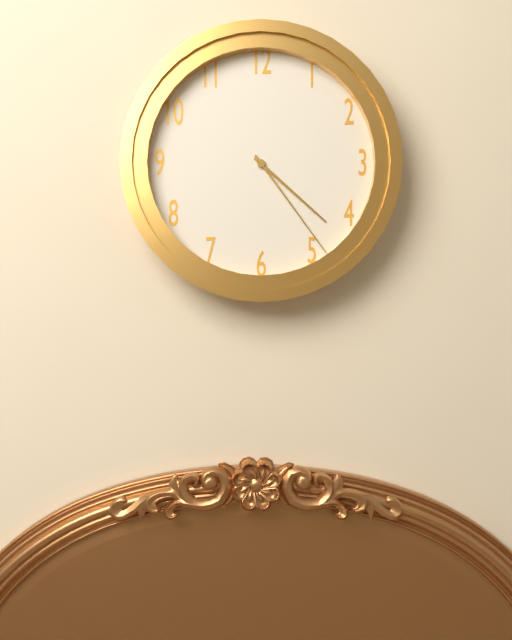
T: 4 h 24 min
